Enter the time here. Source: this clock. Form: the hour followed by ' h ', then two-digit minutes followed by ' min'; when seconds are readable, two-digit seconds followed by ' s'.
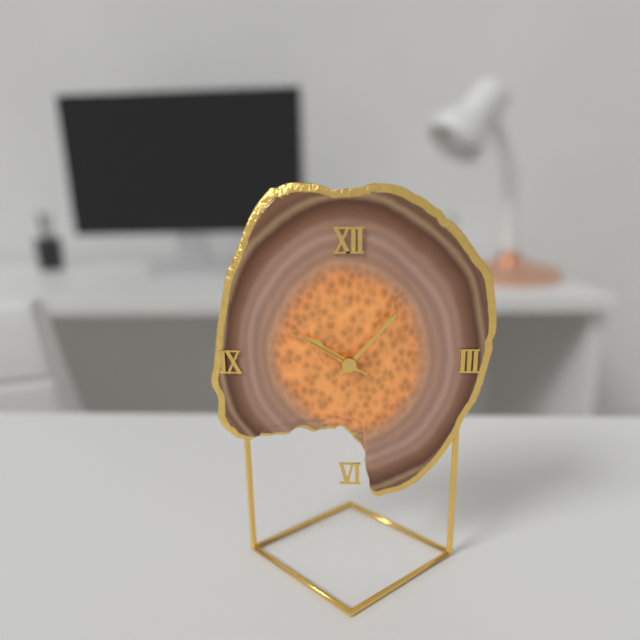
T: 10 h 07 min 50 s
